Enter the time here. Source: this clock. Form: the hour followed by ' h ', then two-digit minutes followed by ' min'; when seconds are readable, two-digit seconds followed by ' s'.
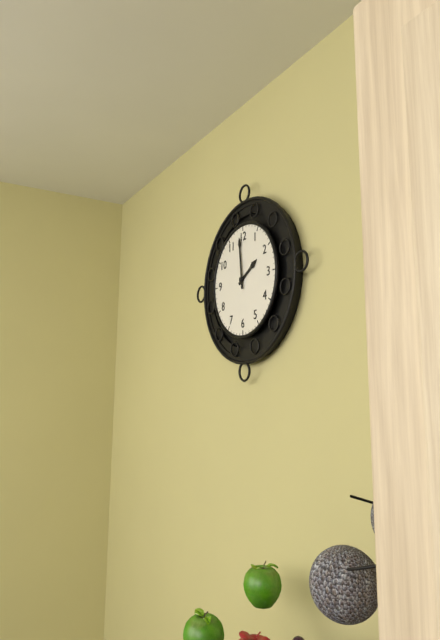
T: 1 h 59 min
